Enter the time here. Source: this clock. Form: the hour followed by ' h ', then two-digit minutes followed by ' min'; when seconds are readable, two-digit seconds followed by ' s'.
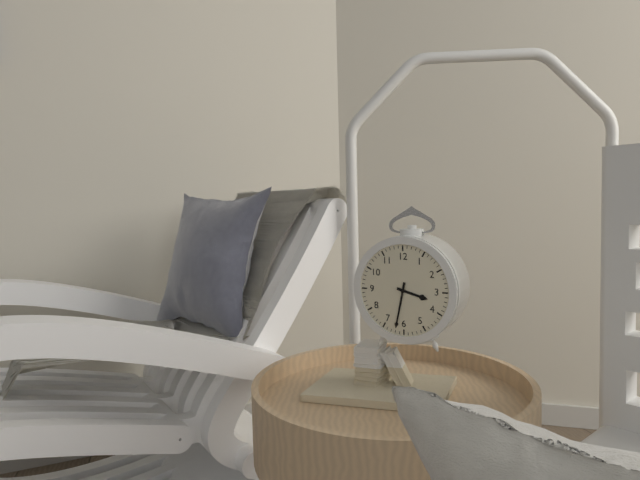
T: 3 h 32 min
